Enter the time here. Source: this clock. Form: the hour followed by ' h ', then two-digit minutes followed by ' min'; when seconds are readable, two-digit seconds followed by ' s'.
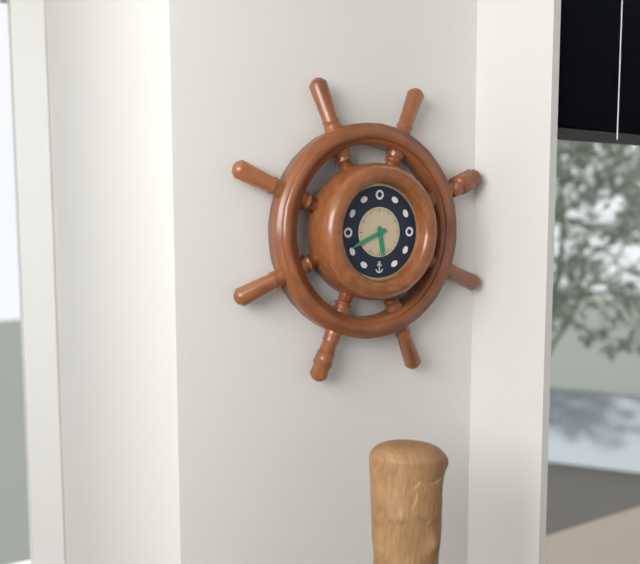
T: 5 h 41 min
